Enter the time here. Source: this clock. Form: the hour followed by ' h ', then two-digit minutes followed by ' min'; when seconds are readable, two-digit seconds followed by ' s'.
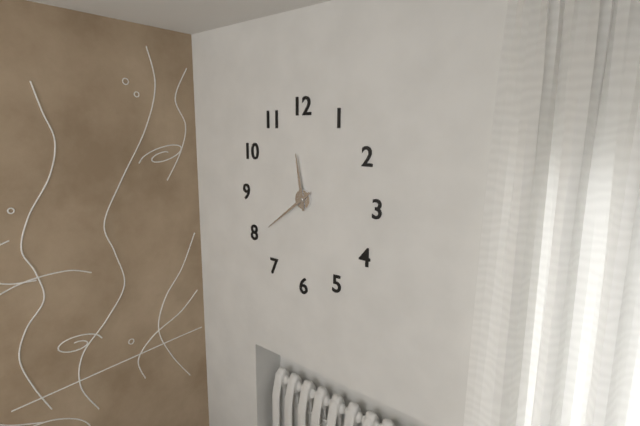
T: 11 h 39 min
